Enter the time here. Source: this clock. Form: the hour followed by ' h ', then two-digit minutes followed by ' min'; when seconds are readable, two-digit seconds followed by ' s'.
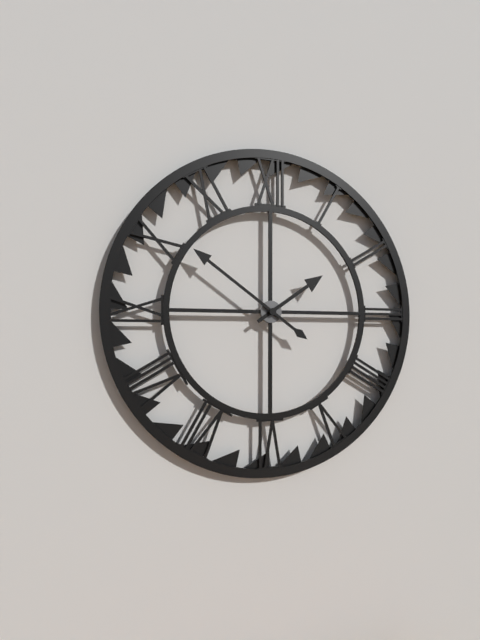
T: 1 h 51 min
